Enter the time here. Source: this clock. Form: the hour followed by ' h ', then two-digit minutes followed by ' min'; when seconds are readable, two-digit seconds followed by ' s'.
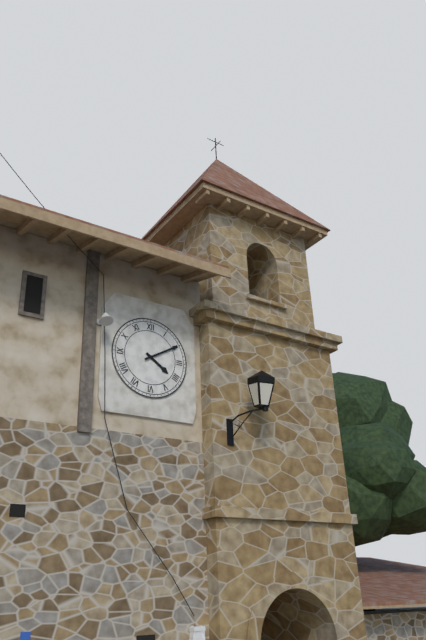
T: 4 h 10 min
